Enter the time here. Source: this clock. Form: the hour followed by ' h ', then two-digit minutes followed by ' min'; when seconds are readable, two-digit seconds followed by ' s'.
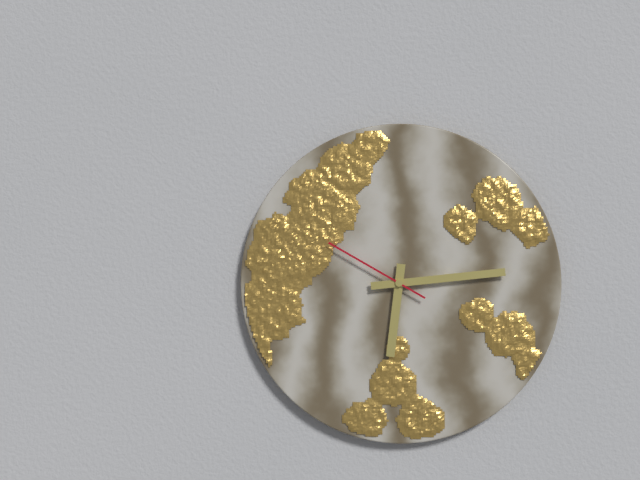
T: 6 h 14 min 50 s
